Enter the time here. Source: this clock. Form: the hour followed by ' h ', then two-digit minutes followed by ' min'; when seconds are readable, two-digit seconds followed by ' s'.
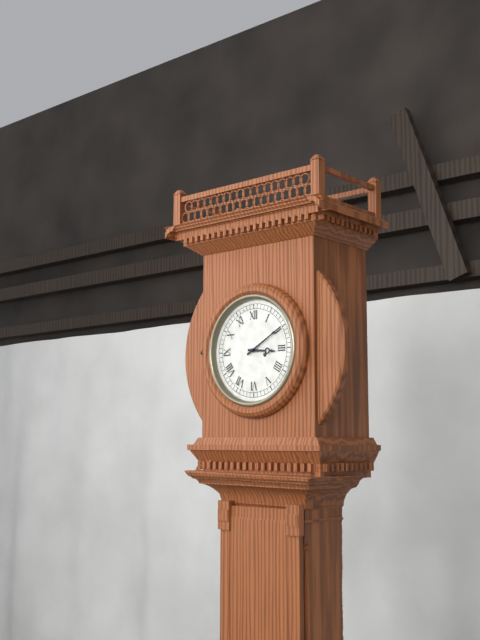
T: 3 h 10 min
